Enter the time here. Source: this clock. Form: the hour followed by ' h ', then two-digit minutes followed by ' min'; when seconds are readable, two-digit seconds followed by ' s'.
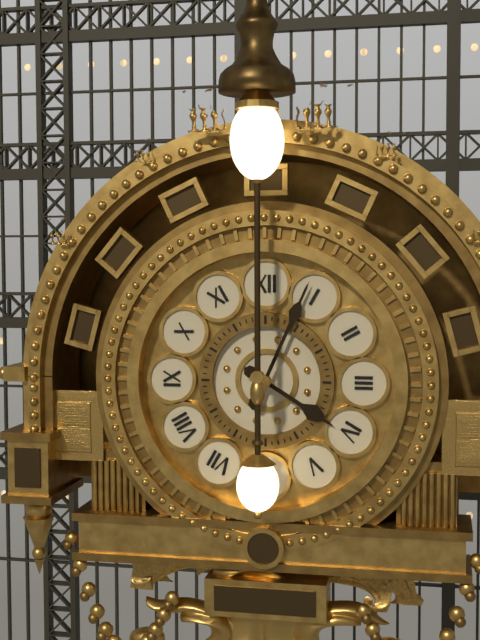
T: 4 h 04 min
